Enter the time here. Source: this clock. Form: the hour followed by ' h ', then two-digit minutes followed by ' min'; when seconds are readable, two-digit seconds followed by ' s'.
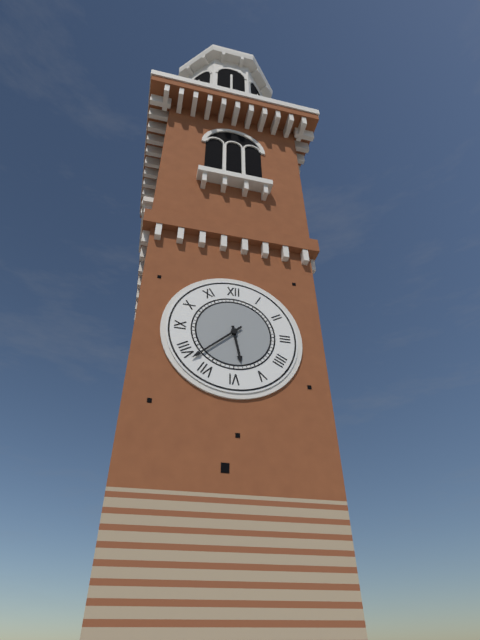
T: 5 h 38 min
